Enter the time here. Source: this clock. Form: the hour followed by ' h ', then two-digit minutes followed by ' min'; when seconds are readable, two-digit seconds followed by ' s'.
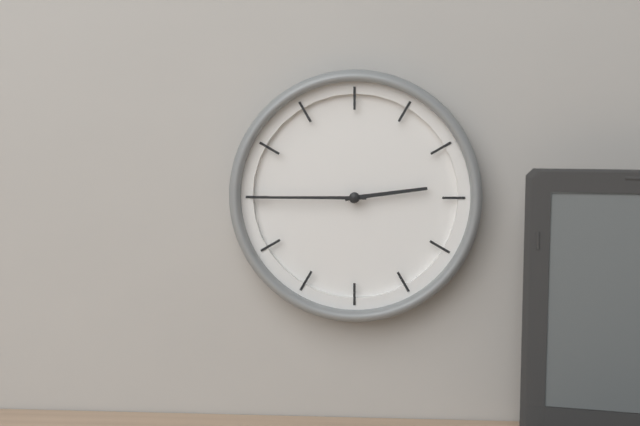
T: 2 h 45 min
